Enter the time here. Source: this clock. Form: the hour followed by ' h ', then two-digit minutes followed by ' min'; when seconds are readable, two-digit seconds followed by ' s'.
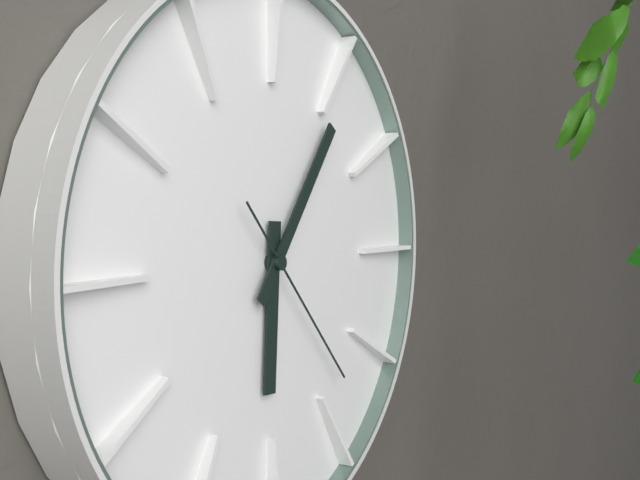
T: 6 h 06 min 23 s
